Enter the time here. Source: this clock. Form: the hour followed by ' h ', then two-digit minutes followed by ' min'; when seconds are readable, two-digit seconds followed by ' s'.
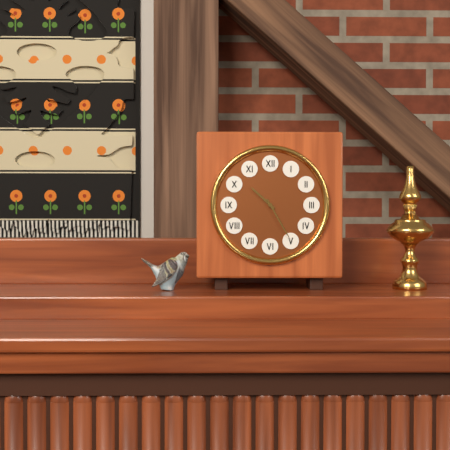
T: 10 h 25 min
